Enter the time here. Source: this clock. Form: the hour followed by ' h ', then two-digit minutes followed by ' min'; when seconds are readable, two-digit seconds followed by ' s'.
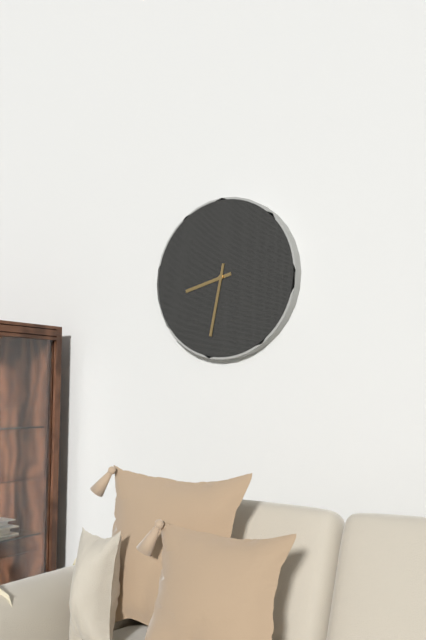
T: 8 h 32 min
